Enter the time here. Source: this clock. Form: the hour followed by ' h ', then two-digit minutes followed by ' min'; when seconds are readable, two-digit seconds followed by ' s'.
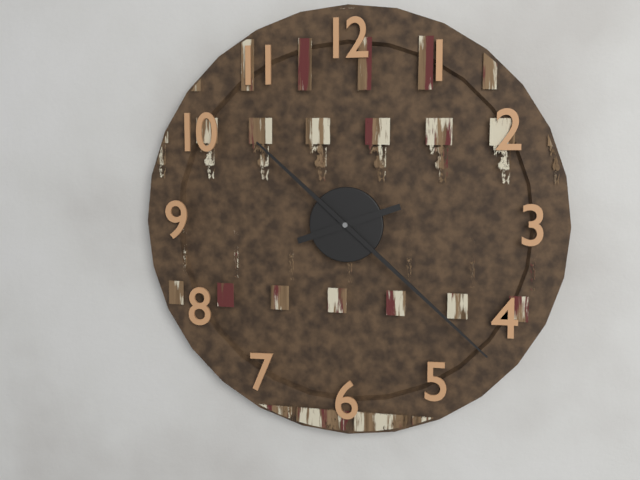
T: 2 h 22 min
